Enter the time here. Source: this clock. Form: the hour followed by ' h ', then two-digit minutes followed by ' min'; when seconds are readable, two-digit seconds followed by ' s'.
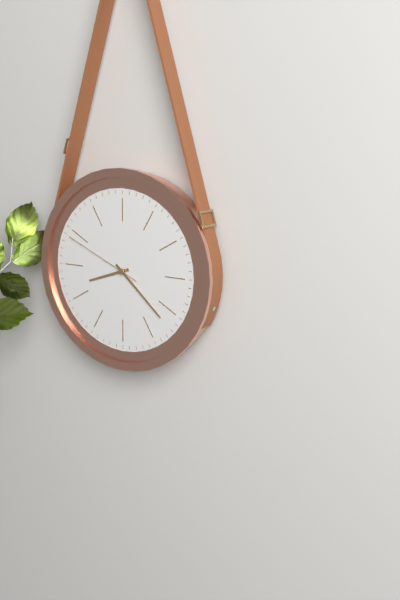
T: 8 h 22 min 49 s
